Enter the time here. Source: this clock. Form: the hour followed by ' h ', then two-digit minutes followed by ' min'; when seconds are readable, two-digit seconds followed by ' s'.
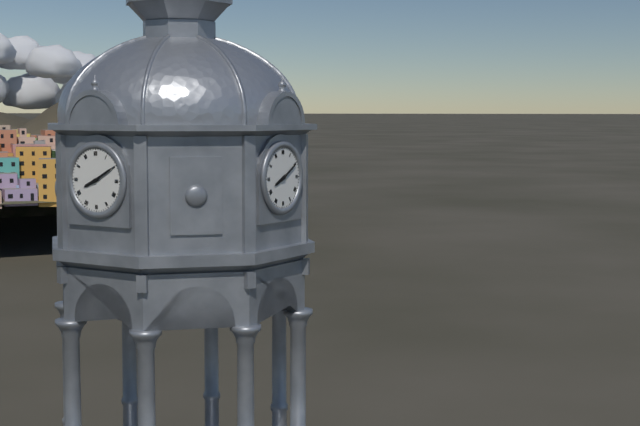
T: 8 h 10 min
